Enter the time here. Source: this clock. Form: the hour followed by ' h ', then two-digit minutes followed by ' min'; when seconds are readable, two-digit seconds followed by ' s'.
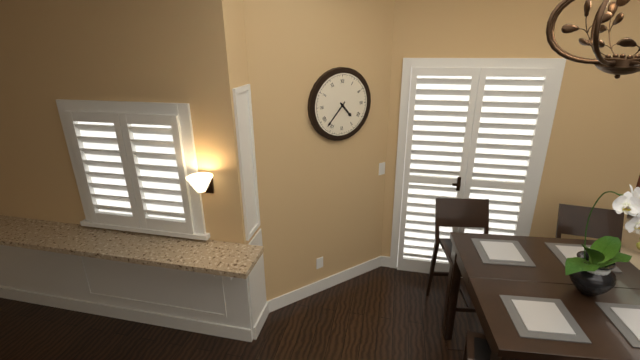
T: 4 h 37 min
